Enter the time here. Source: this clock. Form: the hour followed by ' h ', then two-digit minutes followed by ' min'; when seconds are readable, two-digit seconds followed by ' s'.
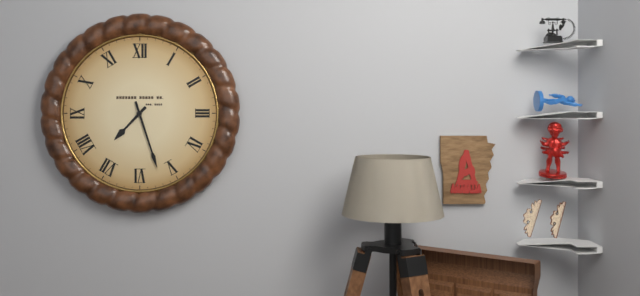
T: 7 h 27 min
